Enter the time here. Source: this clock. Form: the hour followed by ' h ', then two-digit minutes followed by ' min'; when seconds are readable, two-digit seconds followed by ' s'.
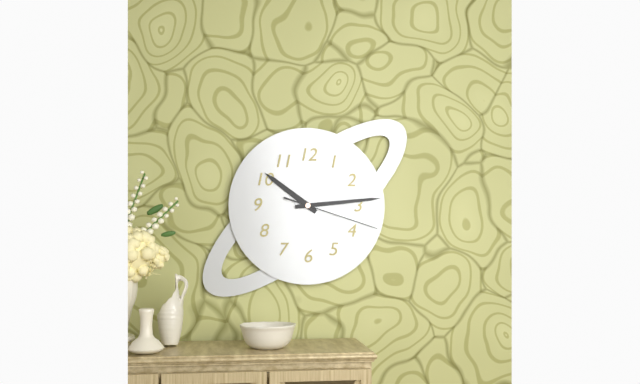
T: 10 h 14 min 18 s
